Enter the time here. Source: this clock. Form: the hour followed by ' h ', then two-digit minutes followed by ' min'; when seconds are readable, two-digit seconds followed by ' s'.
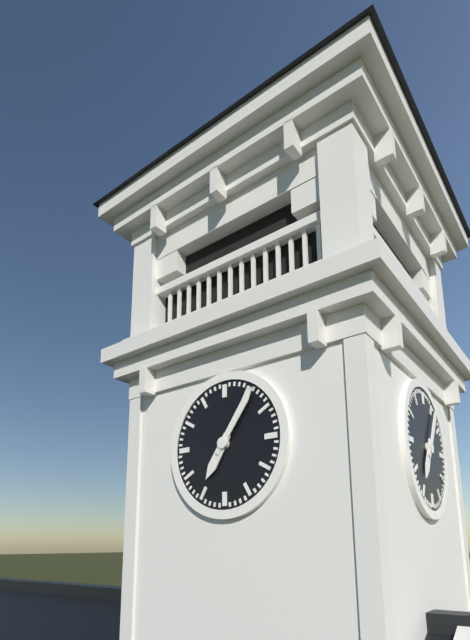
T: 7 h 06 min
